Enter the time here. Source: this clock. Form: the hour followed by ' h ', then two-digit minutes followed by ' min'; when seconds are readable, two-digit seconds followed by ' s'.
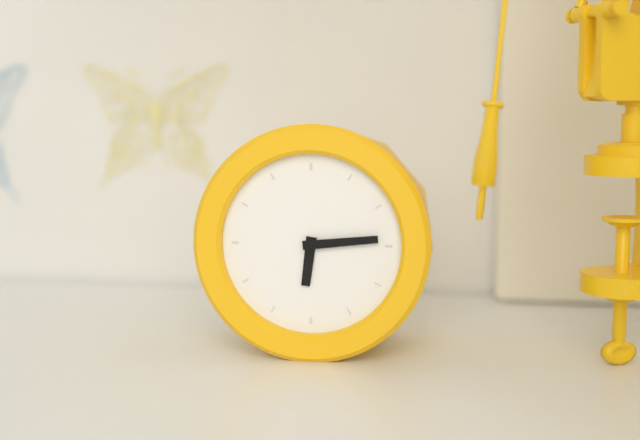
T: 6 h 14 min
